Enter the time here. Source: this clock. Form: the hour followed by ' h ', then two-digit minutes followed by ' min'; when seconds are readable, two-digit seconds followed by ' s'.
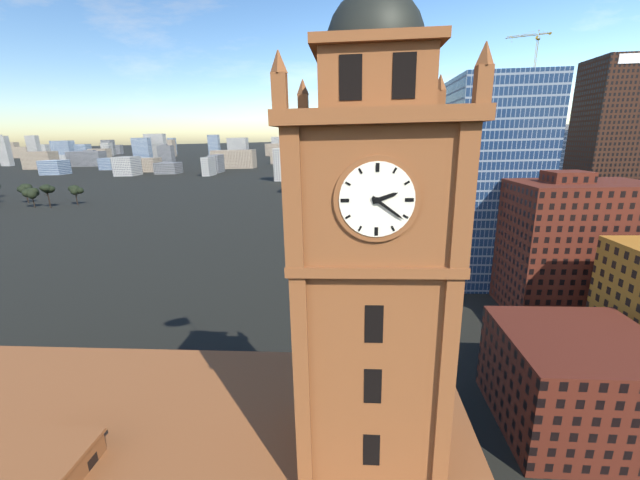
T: 2 h 21 min
